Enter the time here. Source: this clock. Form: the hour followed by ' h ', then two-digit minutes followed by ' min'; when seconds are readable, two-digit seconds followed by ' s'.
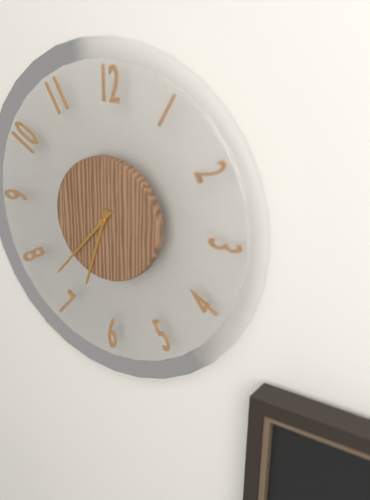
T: 6 h 37 min
